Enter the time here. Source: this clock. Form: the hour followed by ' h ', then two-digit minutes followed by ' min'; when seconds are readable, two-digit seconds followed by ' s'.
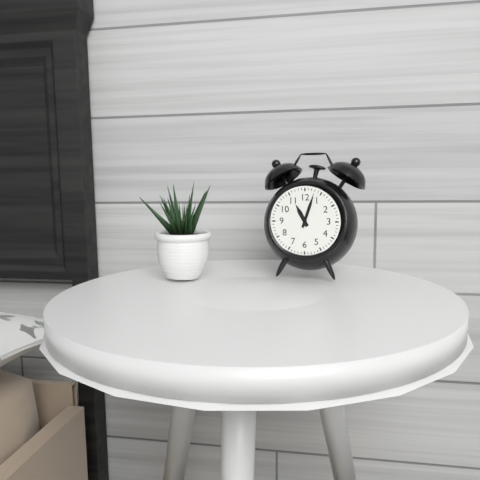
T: 11 h 03 min
